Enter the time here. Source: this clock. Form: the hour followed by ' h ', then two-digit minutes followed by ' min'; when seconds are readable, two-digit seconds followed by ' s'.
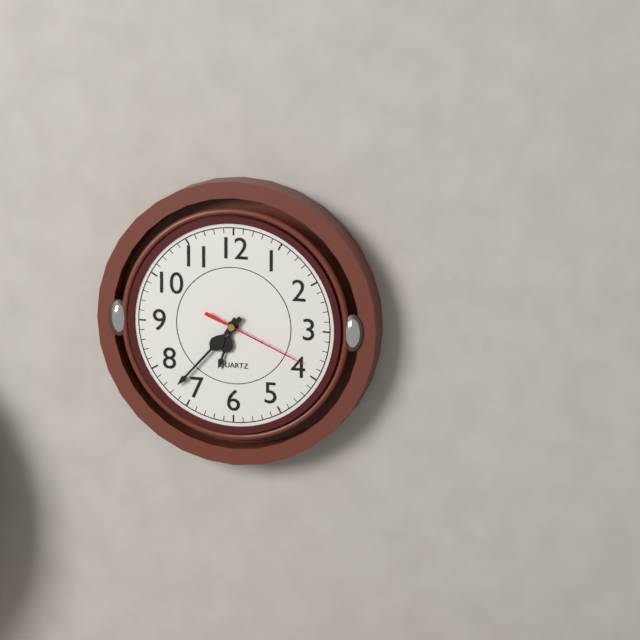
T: 6 h 37 min 19 s
